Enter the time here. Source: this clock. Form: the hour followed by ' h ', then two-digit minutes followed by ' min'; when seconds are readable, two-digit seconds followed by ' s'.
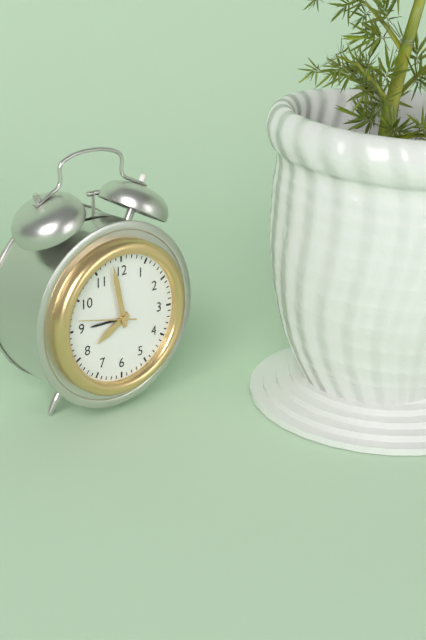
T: 7 h 58 min 47 s
